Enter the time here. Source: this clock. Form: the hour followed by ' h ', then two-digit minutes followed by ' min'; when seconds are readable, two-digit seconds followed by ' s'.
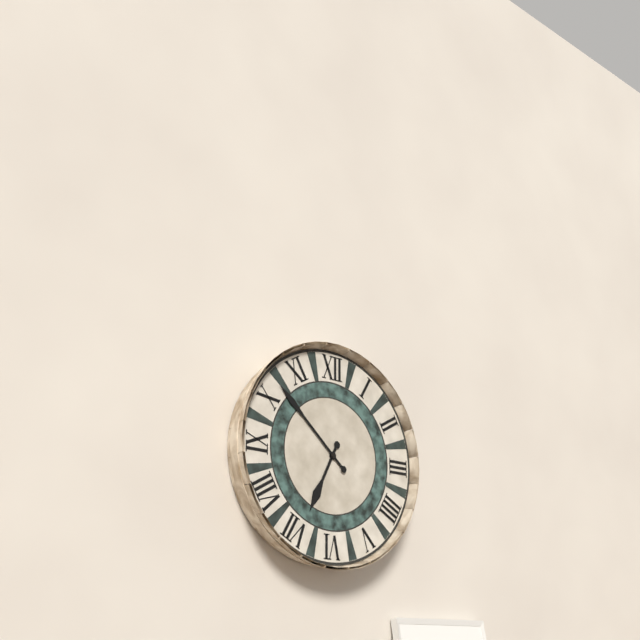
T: 6 h 52 min
